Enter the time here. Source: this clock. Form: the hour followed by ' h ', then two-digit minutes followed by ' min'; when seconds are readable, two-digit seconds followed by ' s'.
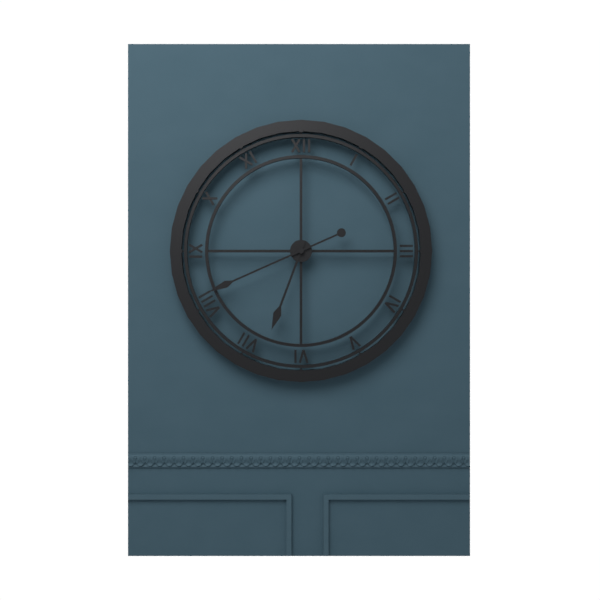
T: 6 h 41 min
